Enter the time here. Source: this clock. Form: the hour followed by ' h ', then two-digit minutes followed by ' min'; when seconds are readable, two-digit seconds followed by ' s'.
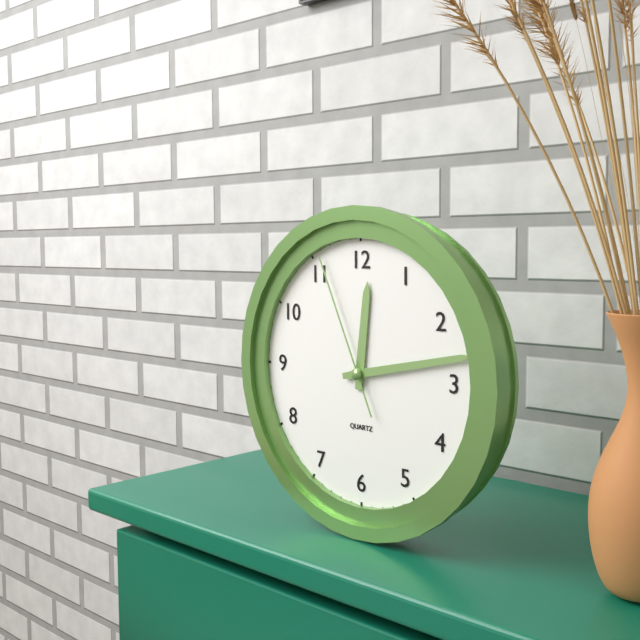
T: 12 h 13 min 56 s
